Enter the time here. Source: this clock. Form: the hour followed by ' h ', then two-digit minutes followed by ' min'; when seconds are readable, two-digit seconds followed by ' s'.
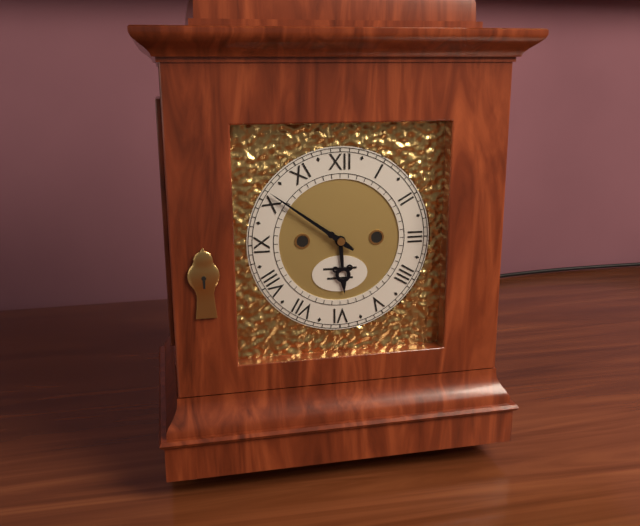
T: 5 h 51 min
